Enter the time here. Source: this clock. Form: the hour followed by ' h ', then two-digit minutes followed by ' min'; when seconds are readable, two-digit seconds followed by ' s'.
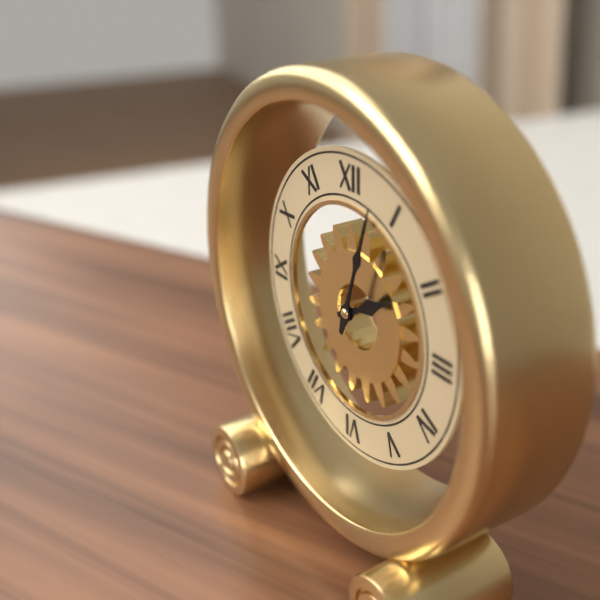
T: 2 h 03 min
